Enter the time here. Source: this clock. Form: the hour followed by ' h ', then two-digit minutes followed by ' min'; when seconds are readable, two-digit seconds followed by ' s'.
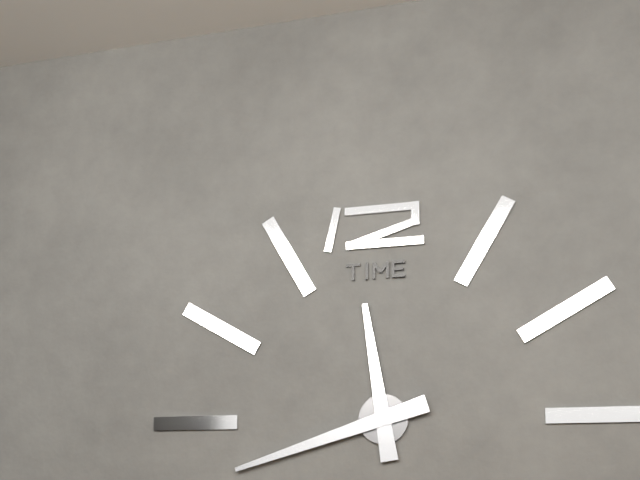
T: 11 h 42 min
